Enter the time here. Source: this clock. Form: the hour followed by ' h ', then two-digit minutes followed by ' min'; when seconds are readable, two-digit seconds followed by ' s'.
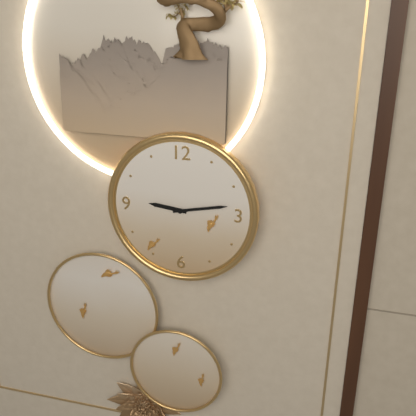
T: 9 h 13 min
